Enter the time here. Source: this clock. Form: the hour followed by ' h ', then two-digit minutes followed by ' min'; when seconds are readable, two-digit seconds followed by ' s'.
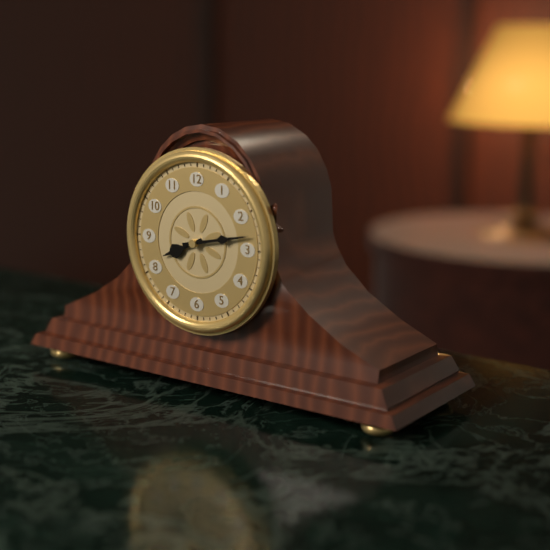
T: 8 h 13 min
